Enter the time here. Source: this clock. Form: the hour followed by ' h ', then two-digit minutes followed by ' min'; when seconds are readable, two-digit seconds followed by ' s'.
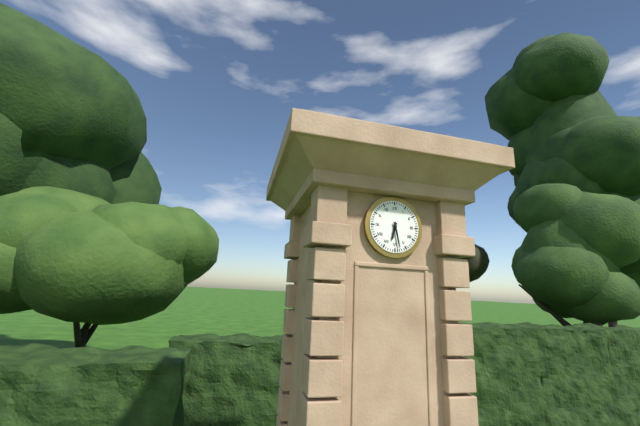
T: 6 h 28 min
